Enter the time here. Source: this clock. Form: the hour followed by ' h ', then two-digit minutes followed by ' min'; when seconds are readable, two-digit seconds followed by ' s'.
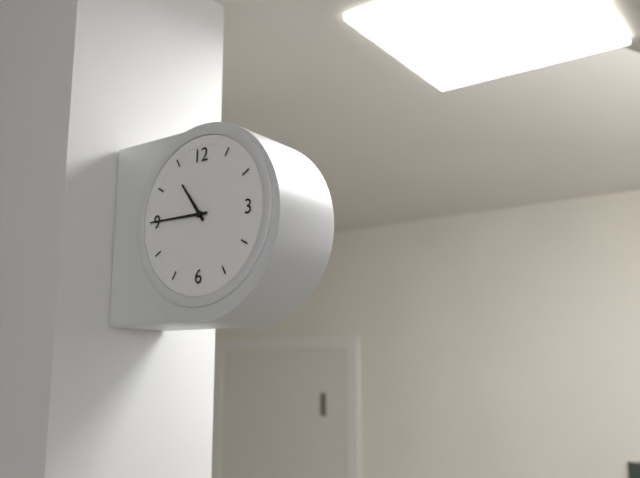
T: 10 h 45 min
